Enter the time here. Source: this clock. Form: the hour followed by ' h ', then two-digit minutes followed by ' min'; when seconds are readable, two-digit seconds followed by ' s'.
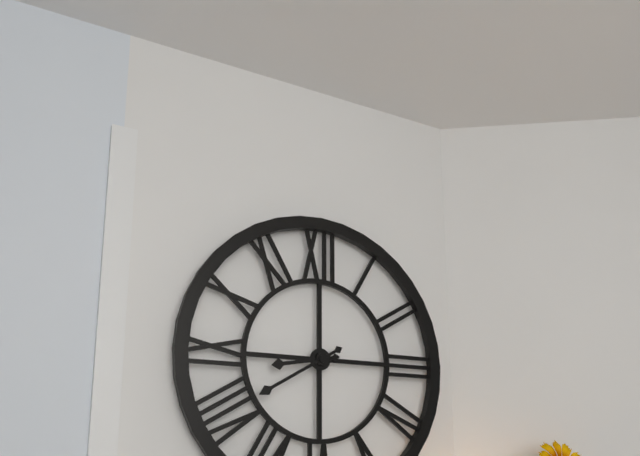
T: 8 h 40 min
